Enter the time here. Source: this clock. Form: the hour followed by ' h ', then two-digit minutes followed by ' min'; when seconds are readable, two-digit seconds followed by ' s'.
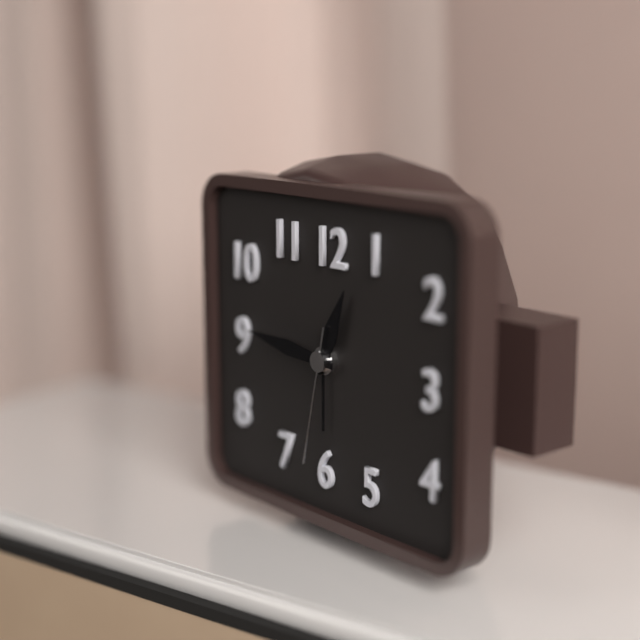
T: 12 h 46 min 32 s
